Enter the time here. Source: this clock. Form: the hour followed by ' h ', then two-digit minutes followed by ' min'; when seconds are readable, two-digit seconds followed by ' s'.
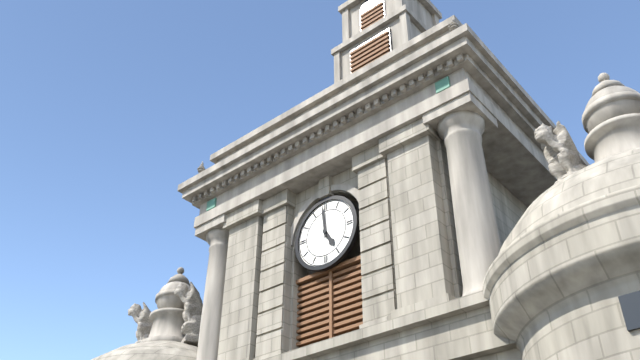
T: 4 h 59 min
